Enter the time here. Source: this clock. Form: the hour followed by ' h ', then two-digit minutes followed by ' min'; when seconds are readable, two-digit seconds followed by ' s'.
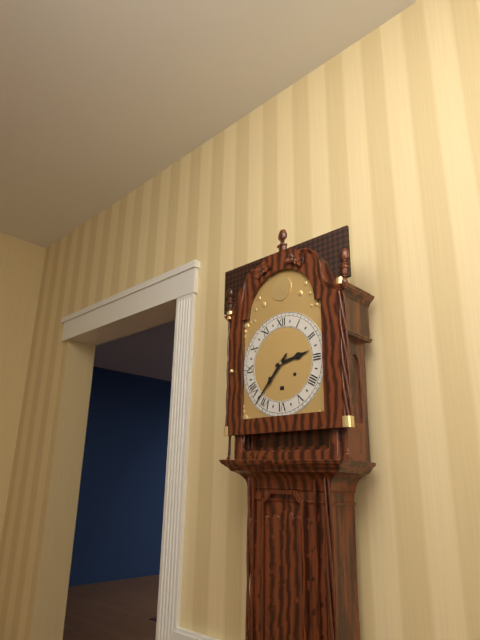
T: 2 h 37 min
